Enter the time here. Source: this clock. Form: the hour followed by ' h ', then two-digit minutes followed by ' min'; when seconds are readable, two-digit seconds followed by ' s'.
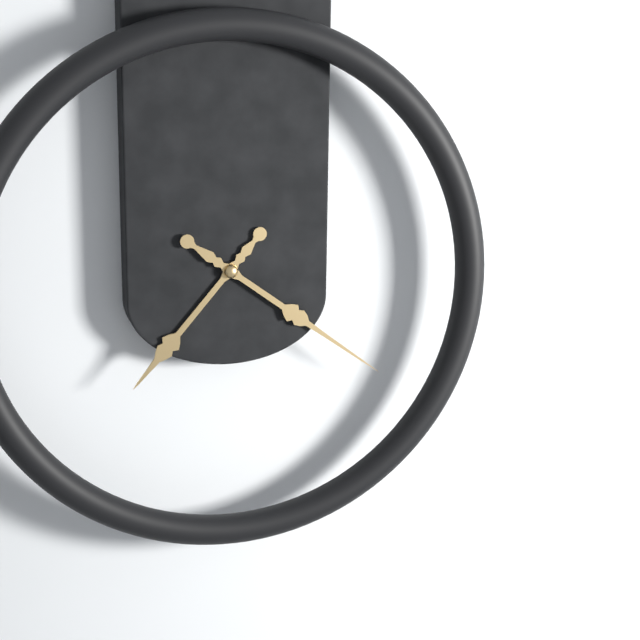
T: 7 h 21 min
